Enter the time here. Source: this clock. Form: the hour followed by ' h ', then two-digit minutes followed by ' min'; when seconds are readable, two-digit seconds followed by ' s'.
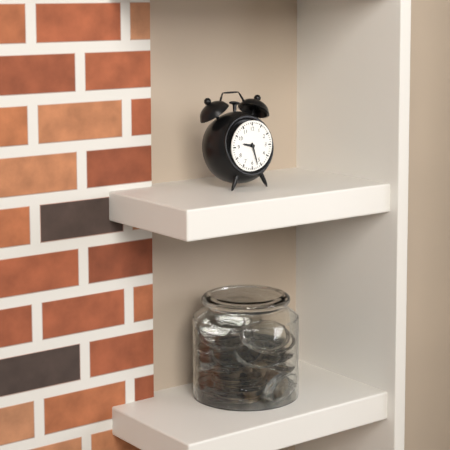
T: 9 h 27 min
